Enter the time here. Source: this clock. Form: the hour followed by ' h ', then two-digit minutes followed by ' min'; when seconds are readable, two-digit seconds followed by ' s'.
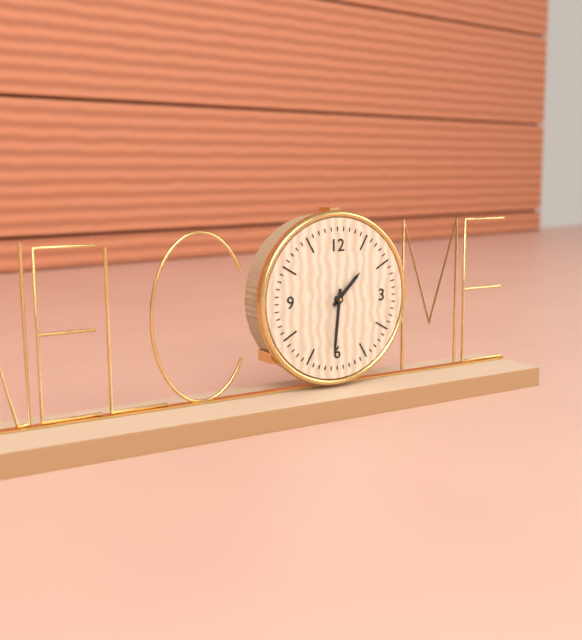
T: 1 h 31 min
